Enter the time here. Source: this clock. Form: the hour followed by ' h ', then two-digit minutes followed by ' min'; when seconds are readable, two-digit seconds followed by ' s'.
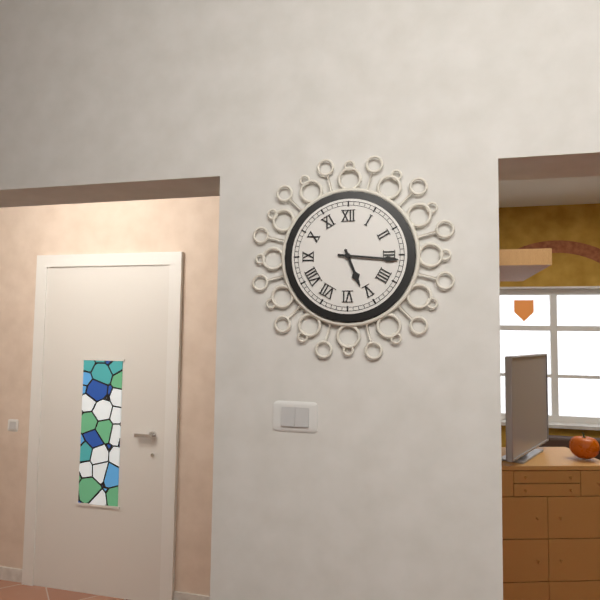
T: 5 h 16 min
